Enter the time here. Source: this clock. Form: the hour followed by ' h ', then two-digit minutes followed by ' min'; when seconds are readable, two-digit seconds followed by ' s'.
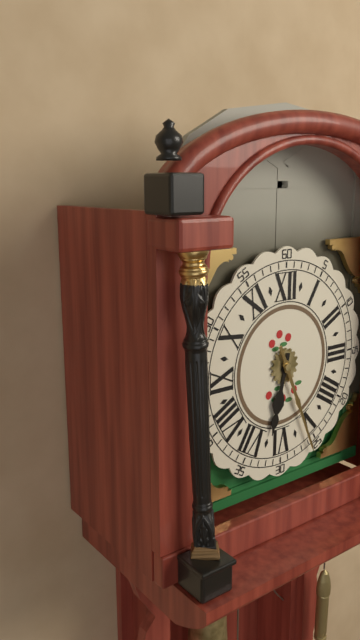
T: 6 h 26 min
